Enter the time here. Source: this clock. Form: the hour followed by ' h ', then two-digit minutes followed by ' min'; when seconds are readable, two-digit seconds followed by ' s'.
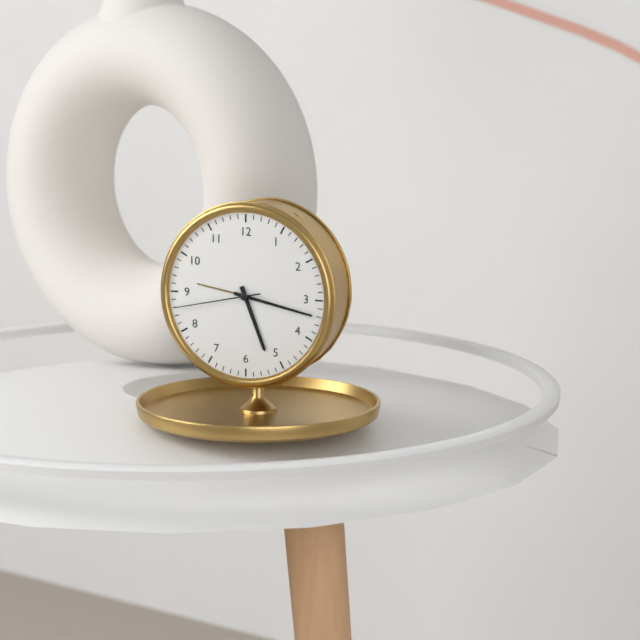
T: 5 h 17 min 43 s
